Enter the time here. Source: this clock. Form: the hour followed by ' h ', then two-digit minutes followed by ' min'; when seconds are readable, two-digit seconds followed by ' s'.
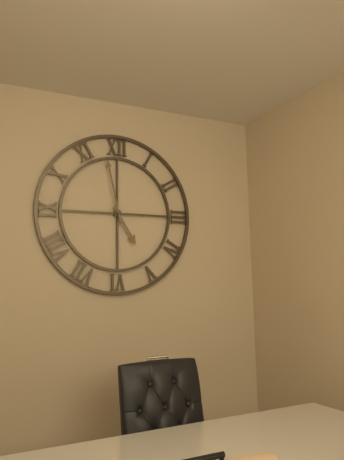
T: 4 h 58 min
